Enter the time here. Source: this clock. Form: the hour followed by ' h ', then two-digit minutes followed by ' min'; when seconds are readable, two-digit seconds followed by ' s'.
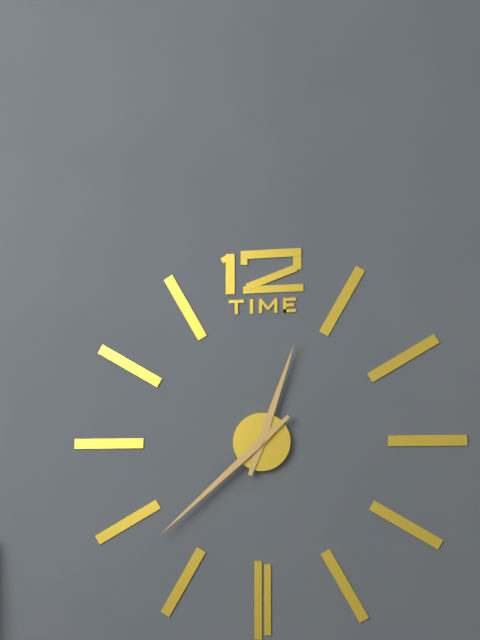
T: 12 h 38 min
